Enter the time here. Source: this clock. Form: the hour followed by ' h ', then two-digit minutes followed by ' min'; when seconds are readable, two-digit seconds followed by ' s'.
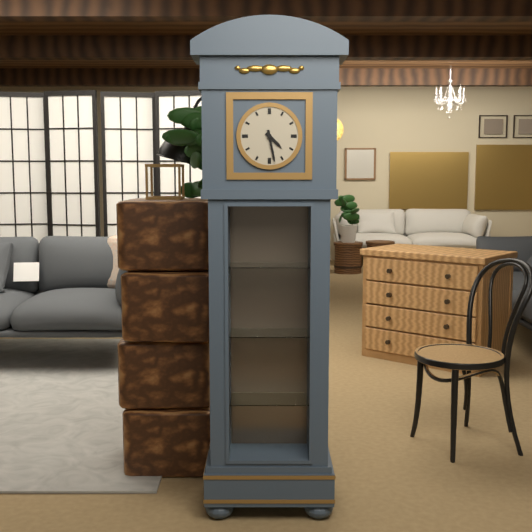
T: 4 h 28 min
